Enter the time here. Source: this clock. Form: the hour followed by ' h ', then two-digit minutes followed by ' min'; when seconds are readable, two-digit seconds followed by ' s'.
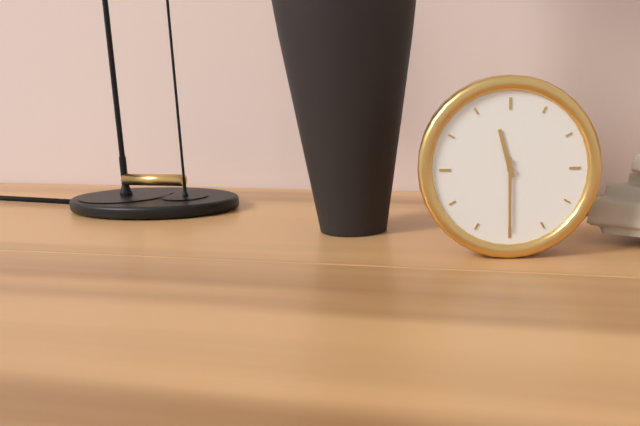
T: 11 h 30 min
